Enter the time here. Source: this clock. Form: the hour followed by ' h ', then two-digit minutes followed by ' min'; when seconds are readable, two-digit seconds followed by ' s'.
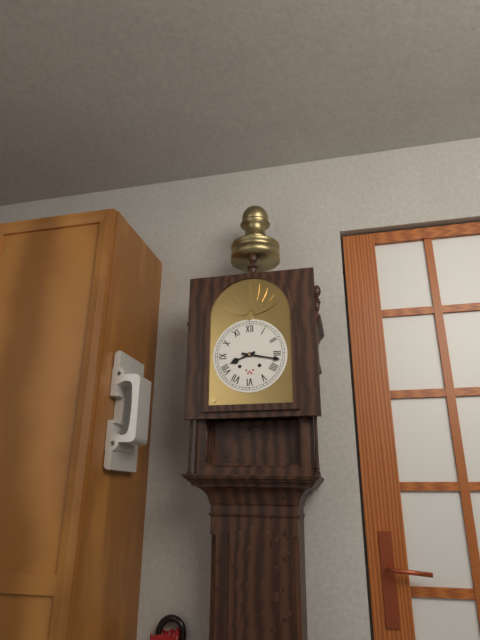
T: 8 h 17 min
